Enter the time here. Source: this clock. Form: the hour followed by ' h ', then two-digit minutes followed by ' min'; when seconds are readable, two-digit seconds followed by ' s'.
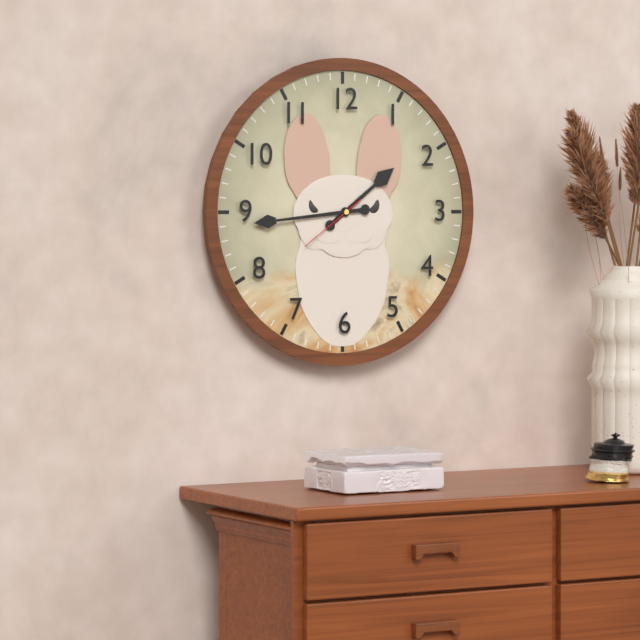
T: 1 h 44 min 39 s
